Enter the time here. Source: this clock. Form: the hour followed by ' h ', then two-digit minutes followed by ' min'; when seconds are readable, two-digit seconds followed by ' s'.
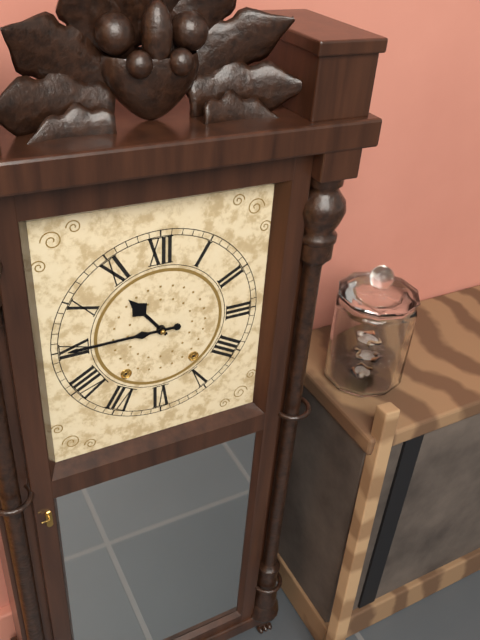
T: 10 h 45 min
